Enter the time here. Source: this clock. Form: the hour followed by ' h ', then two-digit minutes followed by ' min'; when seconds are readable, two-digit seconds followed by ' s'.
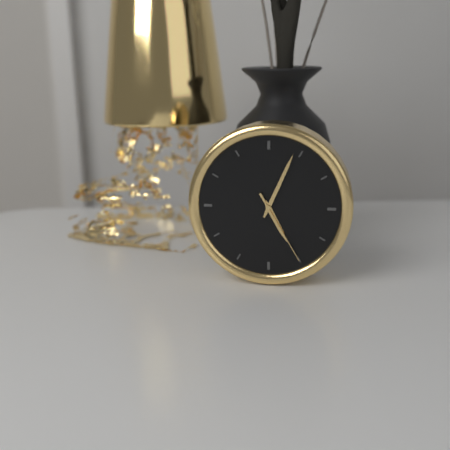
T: 5 h 04 min 25 s
